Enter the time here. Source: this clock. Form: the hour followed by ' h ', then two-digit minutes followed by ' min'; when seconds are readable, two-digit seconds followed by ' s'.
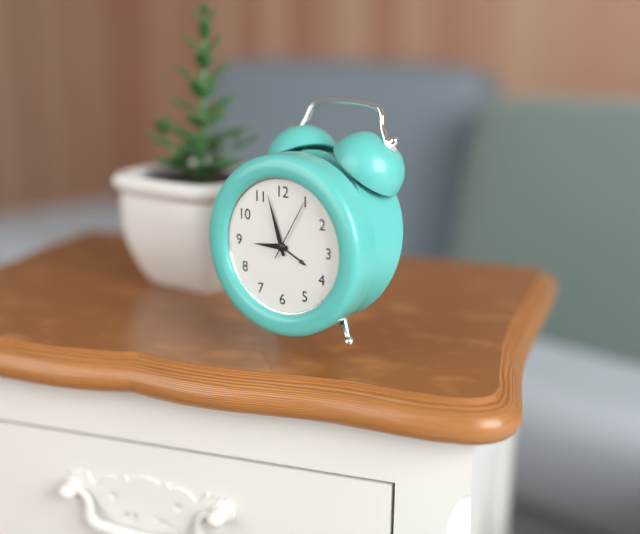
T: 8 h 57 min 05 s
